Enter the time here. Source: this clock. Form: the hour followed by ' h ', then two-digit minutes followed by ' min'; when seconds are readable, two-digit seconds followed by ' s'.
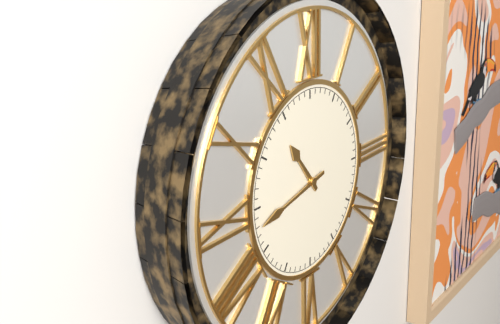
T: 10 h 43 min
